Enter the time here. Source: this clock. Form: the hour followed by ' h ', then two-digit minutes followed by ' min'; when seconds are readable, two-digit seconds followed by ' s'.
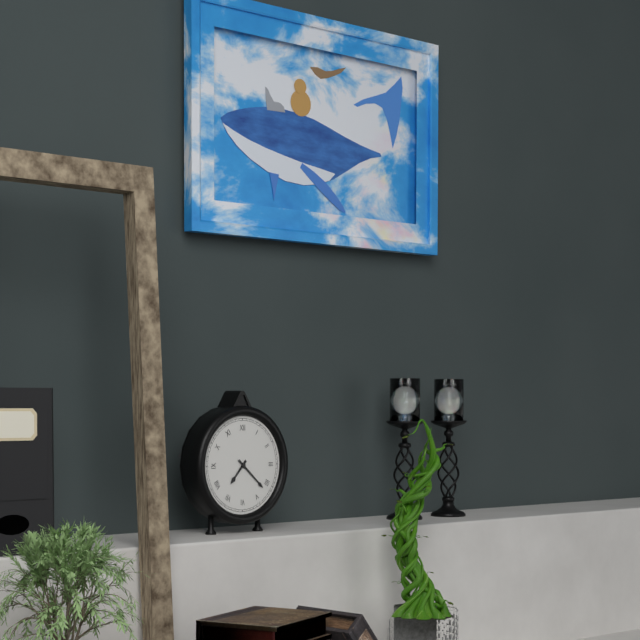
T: 7 h 22 min
